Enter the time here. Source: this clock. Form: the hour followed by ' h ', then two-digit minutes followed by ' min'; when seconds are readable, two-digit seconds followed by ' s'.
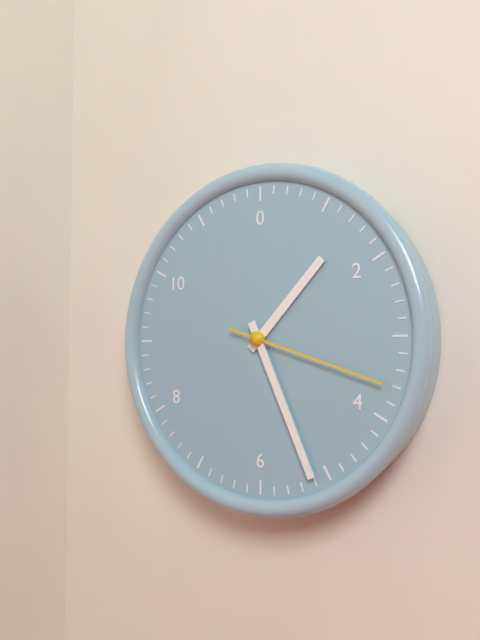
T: 1 h 26 min 18 s
